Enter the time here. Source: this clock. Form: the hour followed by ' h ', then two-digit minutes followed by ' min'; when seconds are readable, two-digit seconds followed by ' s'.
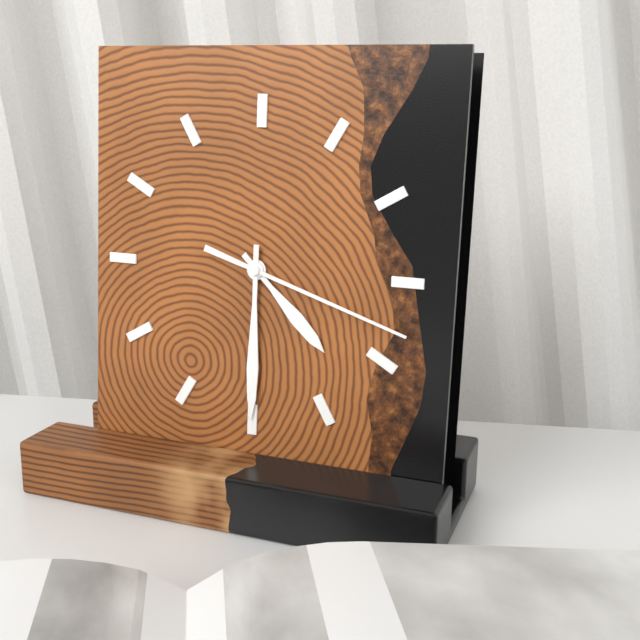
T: 4 h 30 min 18 s
